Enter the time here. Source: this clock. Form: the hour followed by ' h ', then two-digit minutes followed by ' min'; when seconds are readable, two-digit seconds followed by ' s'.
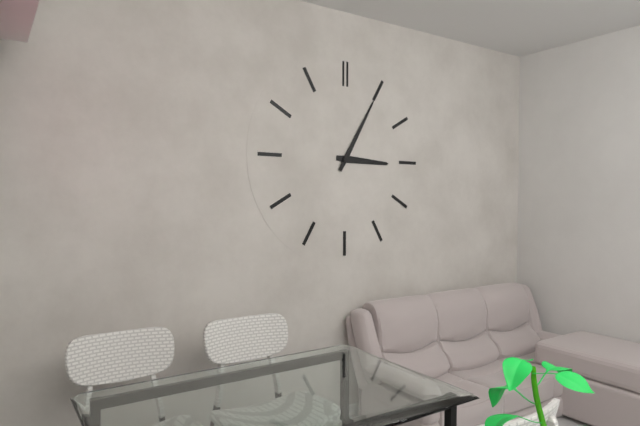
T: 3 h 05 min
